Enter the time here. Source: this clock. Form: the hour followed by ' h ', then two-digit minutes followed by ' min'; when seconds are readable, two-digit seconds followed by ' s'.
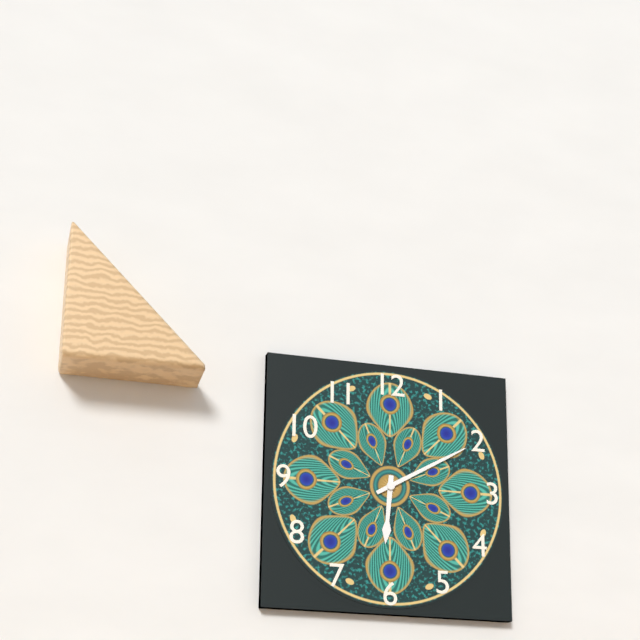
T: 6 h 10 min
